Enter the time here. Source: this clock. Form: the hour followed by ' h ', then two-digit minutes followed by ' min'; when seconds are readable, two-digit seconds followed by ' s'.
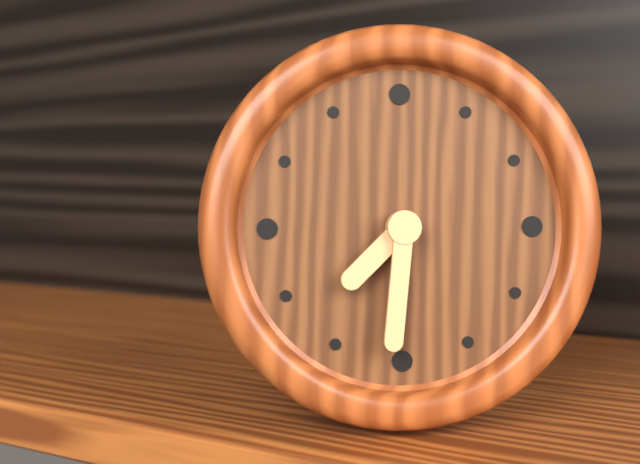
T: 7 h 31 min
